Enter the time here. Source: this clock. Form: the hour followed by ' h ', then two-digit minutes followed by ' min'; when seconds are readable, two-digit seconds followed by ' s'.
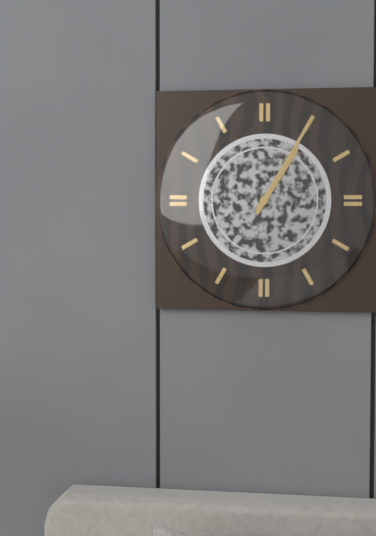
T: 1 h 05 min
